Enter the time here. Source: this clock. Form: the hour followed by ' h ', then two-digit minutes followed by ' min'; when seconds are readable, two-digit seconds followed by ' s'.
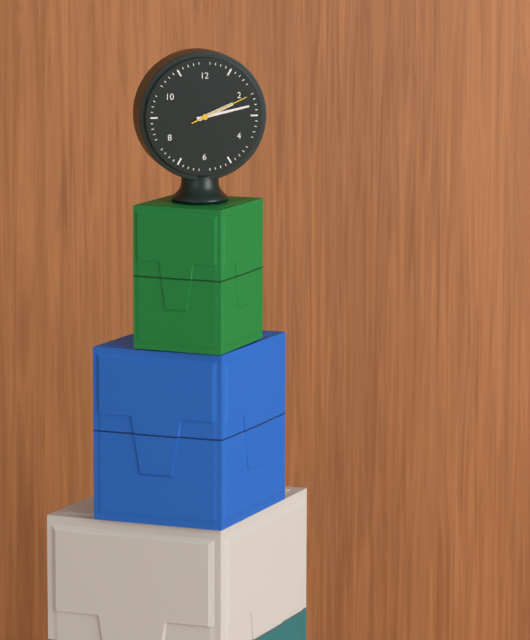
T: 2 h 13 min 11 s
